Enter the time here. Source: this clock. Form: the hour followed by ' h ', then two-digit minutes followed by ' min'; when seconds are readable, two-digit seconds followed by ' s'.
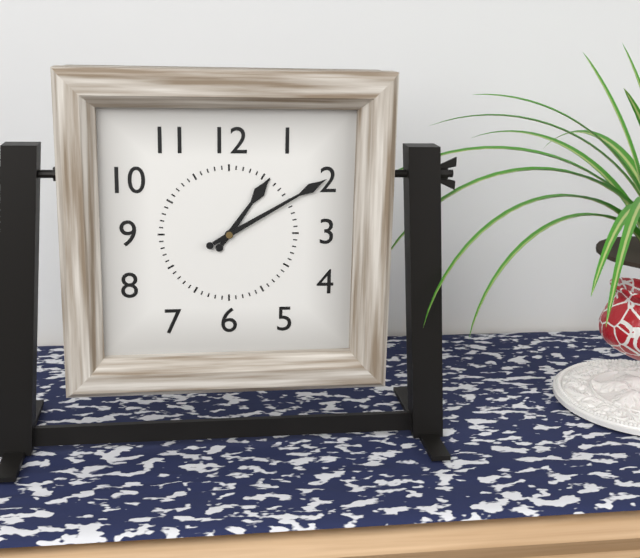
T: 1 h 10 min
